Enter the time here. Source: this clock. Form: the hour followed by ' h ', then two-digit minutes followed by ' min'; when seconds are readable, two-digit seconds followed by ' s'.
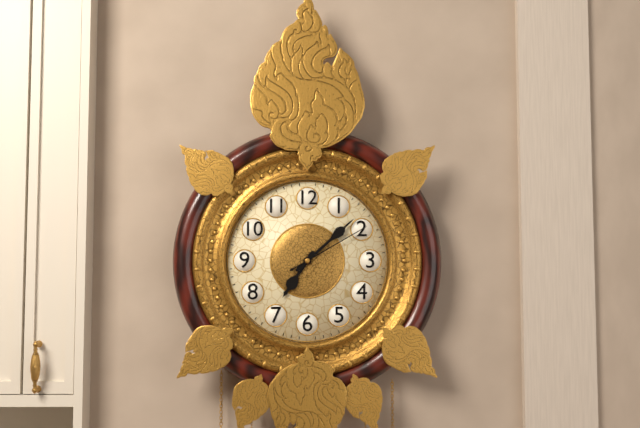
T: 7 h 08 min 10 s
